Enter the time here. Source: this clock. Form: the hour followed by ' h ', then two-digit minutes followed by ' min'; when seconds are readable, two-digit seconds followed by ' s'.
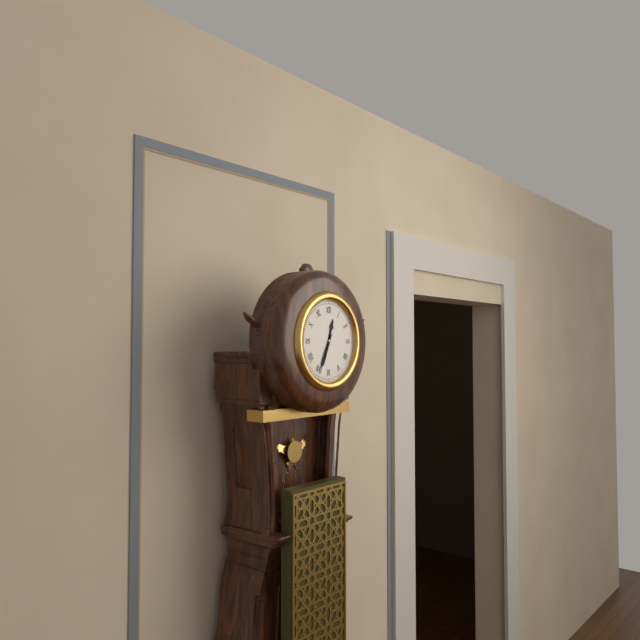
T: 12 h 34 min
